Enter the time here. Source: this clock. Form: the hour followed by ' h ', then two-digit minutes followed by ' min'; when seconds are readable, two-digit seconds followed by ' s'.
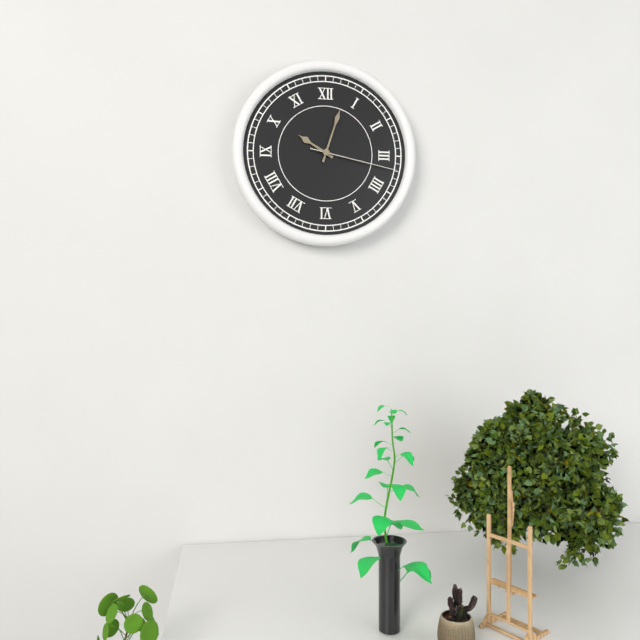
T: 10 h 03 min 17 s
